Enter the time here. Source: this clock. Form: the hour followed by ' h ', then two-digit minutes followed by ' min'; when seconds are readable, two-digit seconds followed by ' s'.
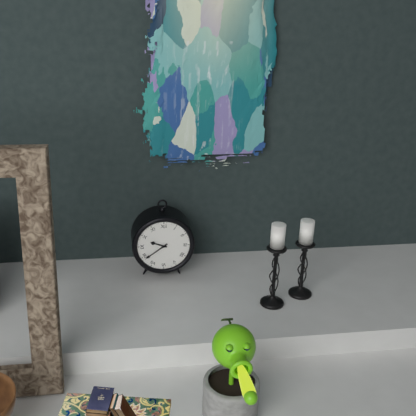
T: 9 h 39 min
